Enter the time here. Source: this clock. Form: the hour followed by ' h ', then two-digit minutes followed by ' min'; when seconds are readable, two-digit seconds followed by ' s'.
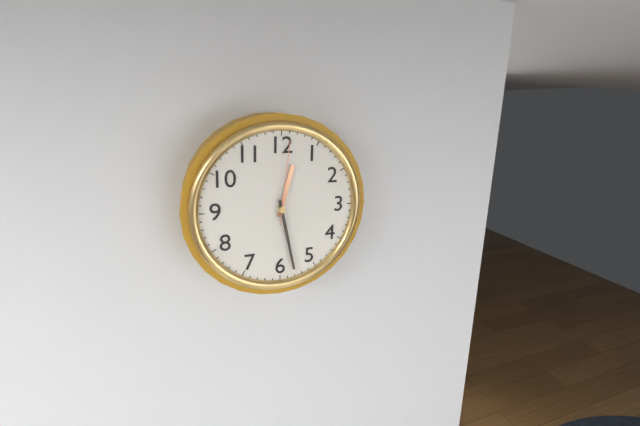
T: 12 h 28 min 01 s
